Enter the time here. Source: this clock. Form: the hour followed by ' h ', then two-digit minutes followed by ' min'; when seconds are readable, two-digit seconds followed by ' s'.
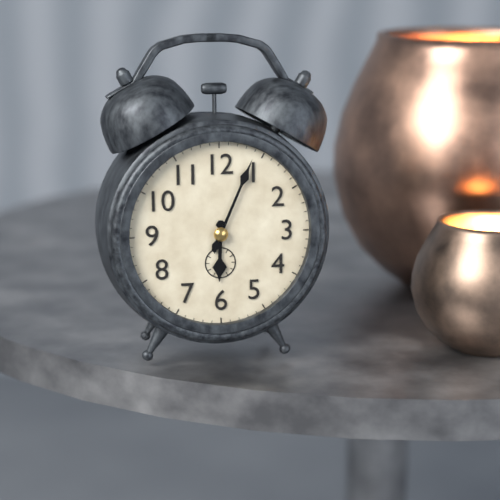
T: 6 h 04 min
